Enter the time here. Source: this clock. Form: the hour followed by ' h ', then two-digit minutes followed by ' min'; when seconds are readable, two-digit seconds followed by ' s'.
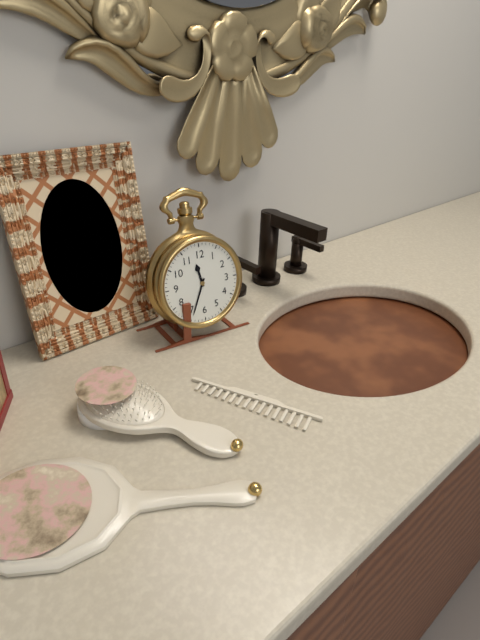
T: 11 h 34 min
